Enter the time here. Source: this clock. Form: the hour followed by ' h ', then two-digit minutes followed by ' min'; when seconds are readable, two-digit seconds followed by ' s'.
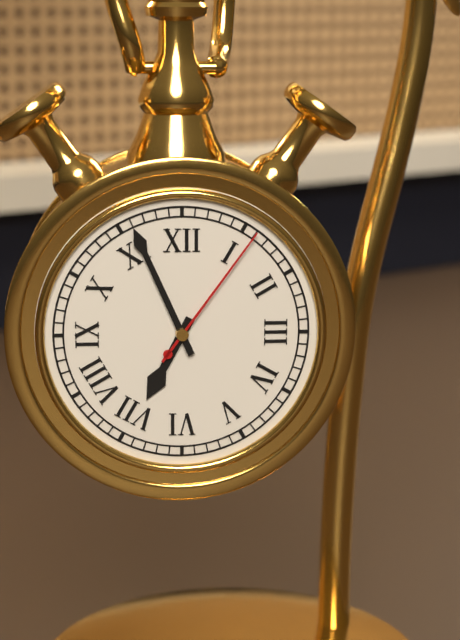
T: 6 h 56 min 06 s
